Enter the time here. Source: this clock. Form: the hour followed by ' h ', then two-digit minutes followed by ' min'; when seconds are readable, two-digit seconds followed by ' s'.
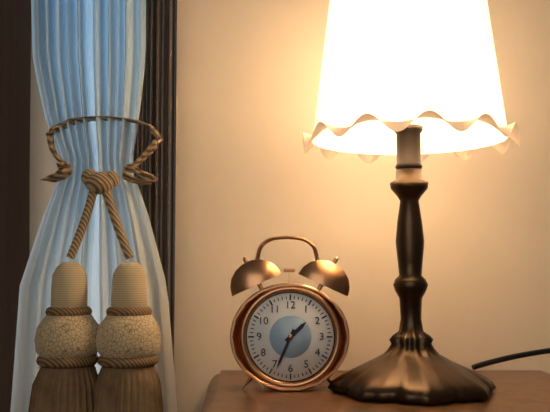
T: 1 h 34 min
